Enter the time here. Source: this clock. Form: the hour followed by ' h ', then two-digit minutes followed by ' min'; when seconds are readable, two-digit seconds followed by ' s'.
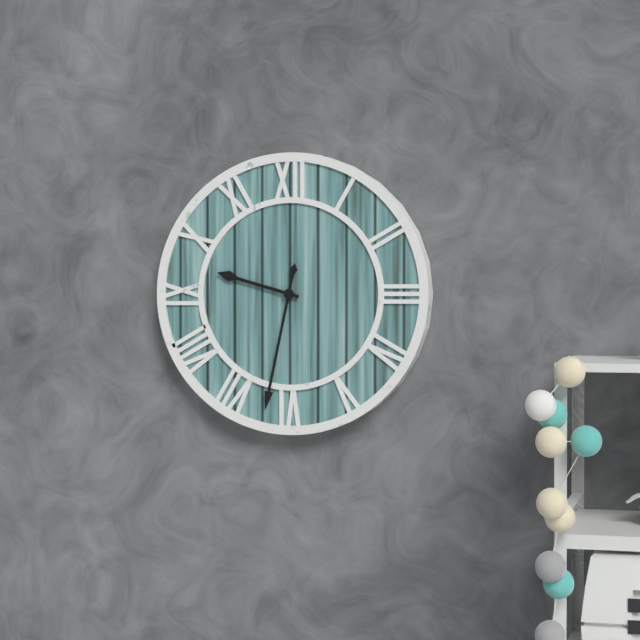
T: 9 h 32 min
